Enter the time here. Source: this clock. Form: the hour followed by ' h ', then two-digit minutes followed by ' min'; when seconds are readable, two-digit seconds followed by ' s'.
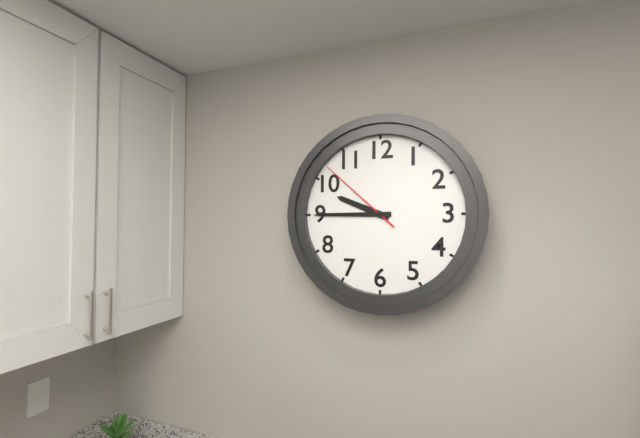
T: 9 h 45 min 52 s
